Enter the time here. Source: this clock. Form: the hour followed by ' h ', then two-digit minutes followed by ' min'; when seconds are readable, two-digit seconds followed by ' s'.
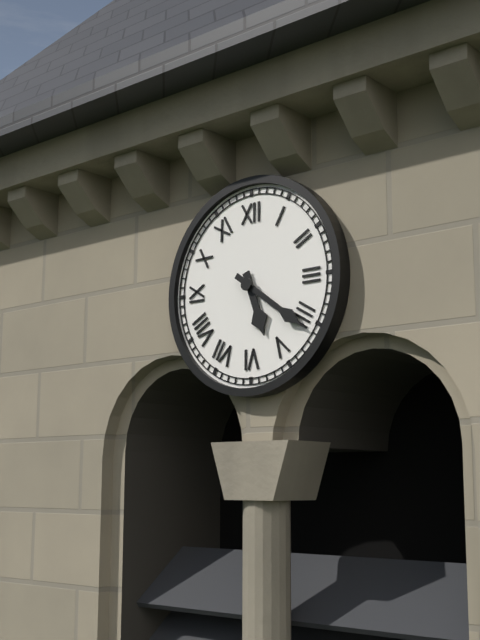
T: 5 h 21 min
